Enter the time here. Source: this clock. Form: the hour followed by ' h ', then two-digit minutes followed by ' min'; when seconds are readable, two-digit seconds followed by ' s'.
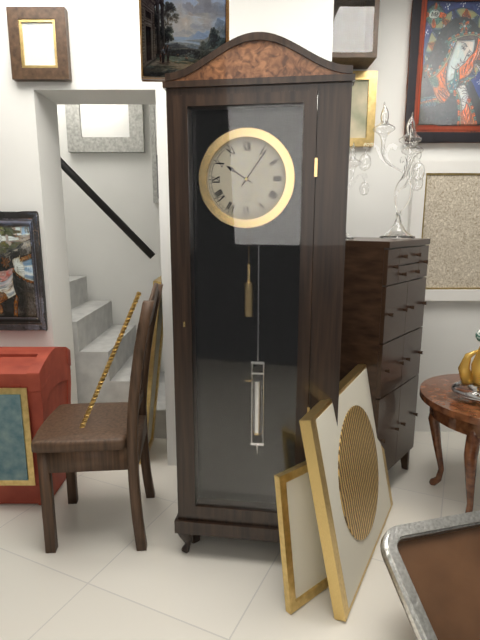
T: 10 h 06 min
